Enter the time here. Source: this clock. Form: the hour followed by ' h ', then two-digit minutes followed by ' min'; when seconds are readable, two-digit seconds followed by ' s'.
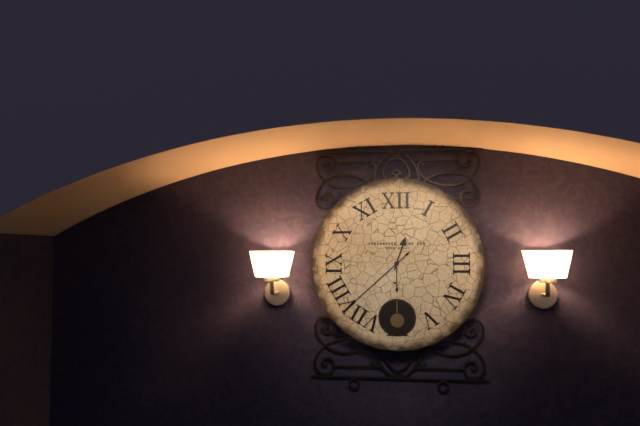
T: 12 h 38 min
